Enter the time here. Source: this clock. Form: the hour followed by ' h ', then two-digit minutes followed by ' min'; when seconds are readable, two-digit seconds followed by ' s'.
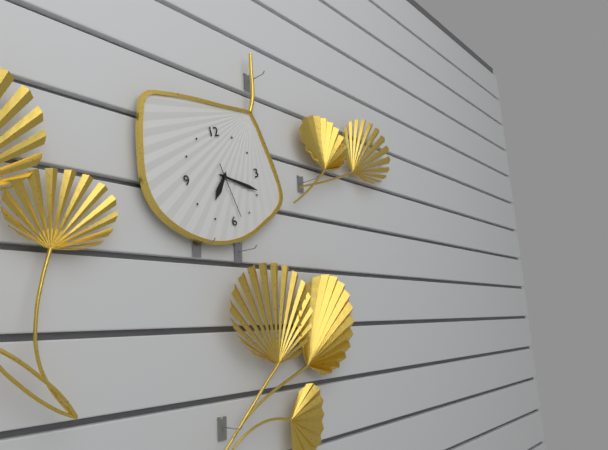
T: 7 h 19 min 28 s
